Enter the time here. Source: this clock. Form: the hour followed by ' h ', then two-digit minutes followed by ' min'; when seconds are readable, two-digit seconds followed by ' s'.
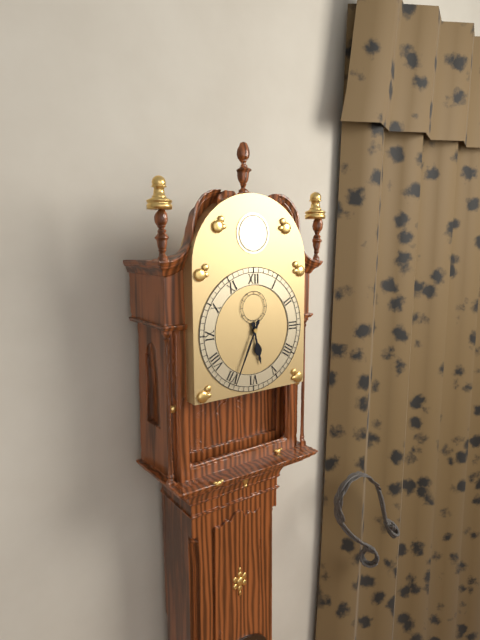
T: 5 h 34 min
